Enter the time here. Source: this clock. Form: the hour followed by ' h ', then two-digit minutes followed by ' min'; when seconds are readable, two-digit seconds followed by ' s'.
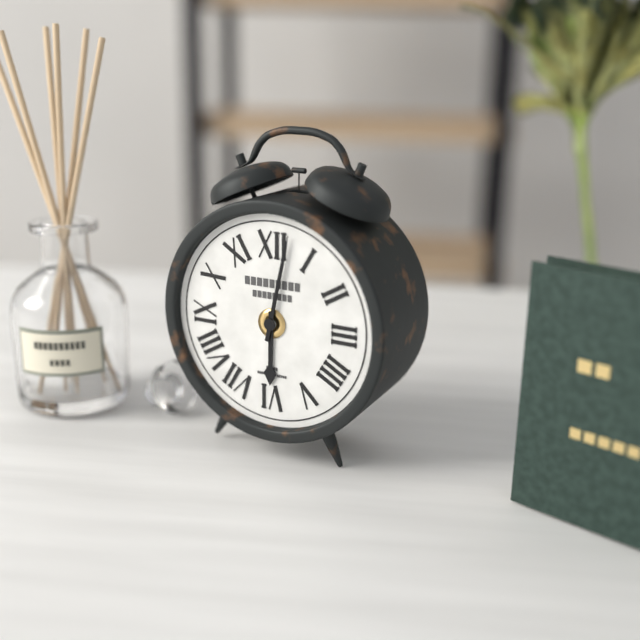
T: 6 h 02 min
